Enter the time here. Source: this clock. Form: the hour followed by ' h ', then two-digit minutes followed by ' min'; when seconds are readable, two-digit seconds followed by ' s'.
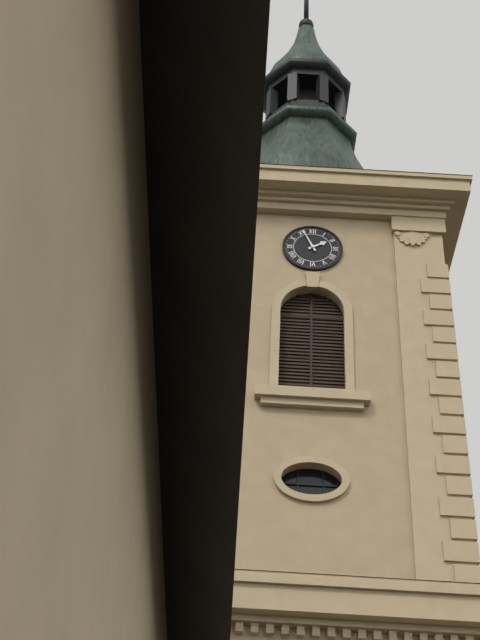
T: 1 h 56 min
